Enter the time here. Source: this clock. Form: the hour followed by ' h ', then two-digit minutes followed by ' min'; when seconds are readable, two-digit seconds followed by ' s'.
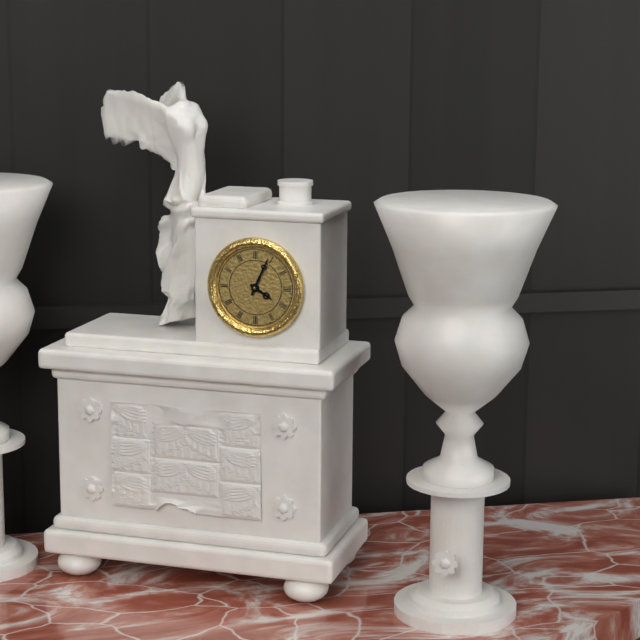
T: 4 h 04 min
